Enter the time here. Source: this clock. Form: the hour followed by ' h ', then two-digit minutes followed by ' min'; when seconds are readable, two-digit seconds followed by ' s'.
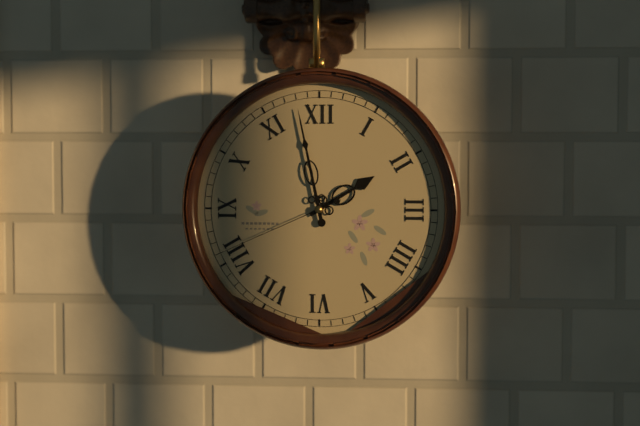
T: 1 h 58 min 41 s
